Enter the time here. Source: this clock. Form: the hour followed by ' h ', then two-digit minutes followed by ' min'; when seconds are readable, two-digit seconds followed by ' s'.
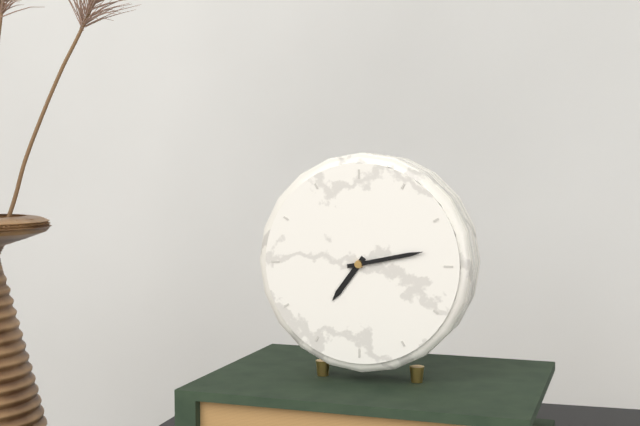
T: 7 h 13 min
